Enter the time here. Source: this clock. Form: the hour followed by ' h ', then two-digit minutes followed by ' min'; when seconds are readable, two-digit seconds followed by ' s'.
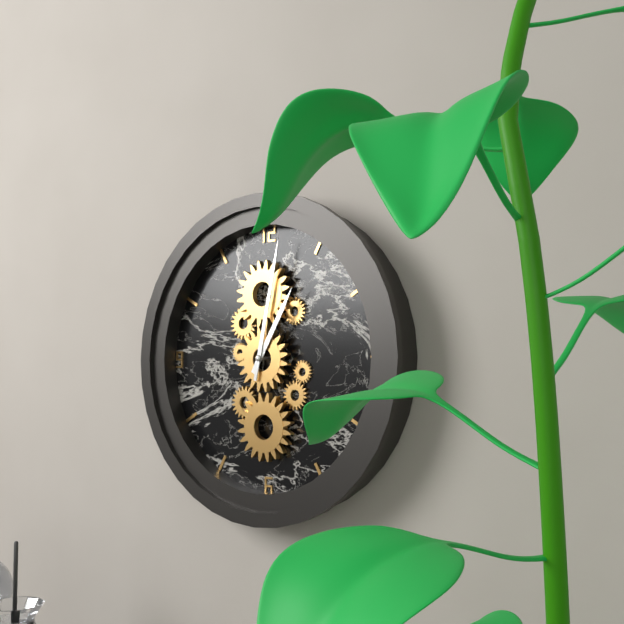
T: 1 h 02 min
